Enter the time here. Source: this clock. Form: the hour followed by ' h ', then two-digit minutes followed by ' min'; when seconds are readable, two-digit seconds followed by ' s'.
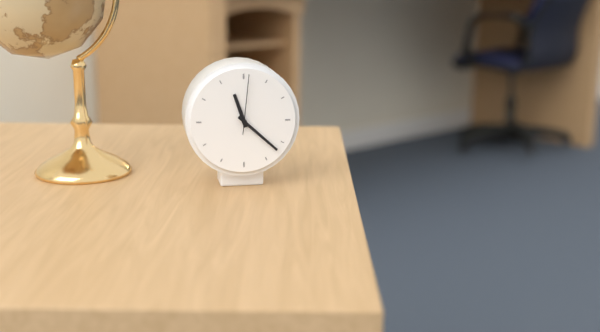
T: 11 h 22 min 01 s
